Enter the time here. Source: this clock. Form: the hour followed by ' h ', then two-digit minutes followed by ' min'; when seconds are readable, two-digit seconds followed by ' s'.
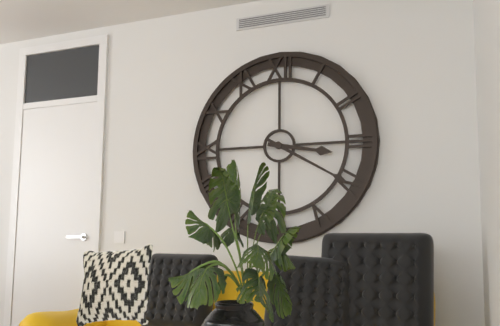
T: 3 h 20 min
